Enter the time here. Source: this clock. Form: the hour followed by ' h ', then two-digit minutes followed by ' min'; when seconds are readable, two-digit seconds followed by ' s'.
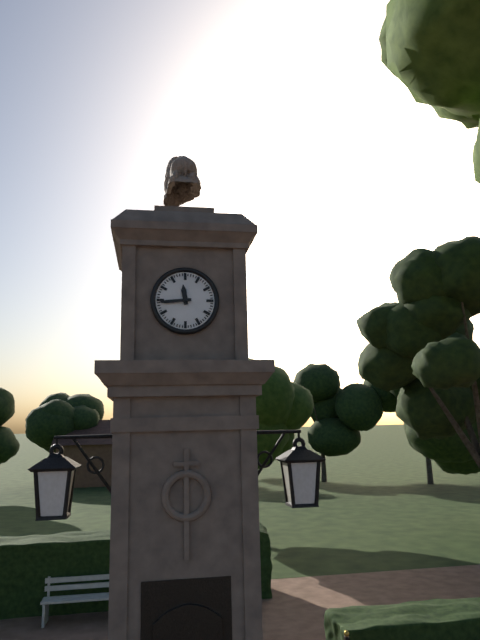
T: 11 h 44 min
